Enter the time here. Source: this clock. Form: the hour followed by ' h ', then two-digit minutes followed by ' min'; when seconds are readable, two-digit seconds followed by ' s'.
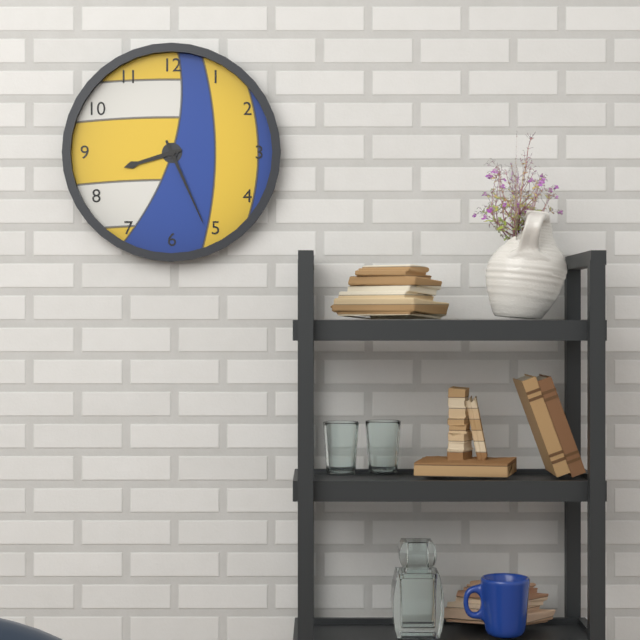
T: 8 h 26 min
